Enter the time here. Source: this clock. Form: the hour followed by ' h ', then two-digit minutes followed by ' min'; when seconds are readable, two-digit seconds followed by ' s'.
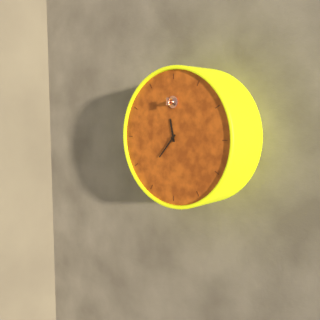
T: 11 h 37 min
